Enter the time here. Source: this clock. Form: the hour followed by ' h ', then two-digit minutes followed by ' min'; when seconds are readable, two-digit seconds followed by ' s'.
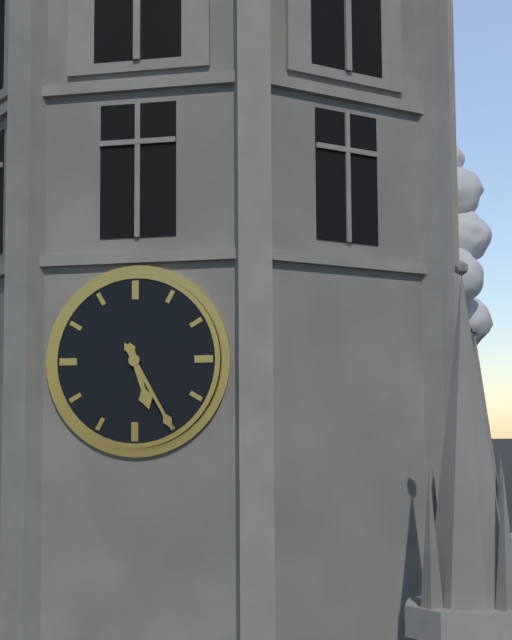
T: 5 h 25 min
